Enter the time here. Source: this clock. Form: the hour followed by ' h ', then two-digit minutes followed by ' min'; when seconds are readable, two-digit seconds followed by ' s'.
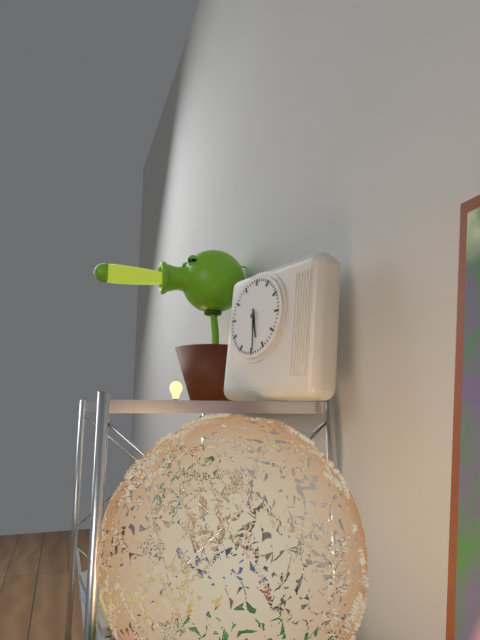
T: 5 h 29 min
